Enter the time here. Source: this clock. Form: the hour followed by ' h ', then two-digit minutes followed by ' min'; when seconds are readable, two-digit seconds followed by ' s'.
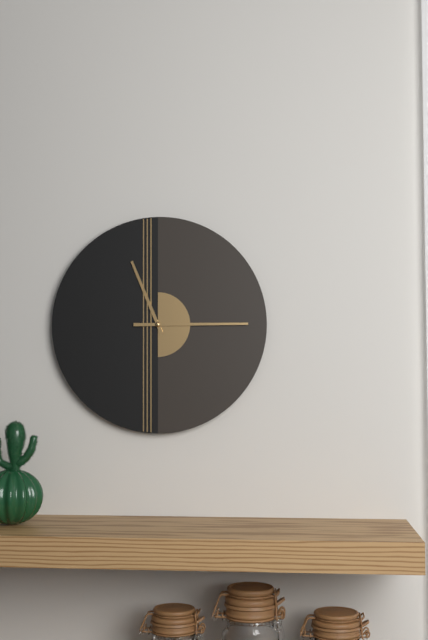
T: 11 h 15 min
